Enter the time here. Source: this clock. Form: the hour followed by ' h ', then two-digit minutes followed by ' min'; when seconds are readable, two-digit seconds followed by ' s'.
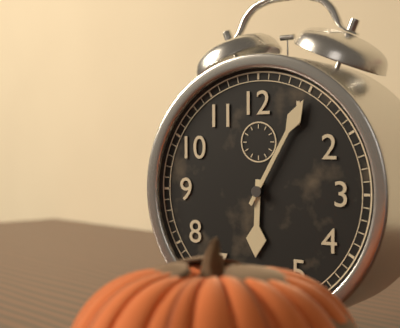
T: 6 h 05 min
